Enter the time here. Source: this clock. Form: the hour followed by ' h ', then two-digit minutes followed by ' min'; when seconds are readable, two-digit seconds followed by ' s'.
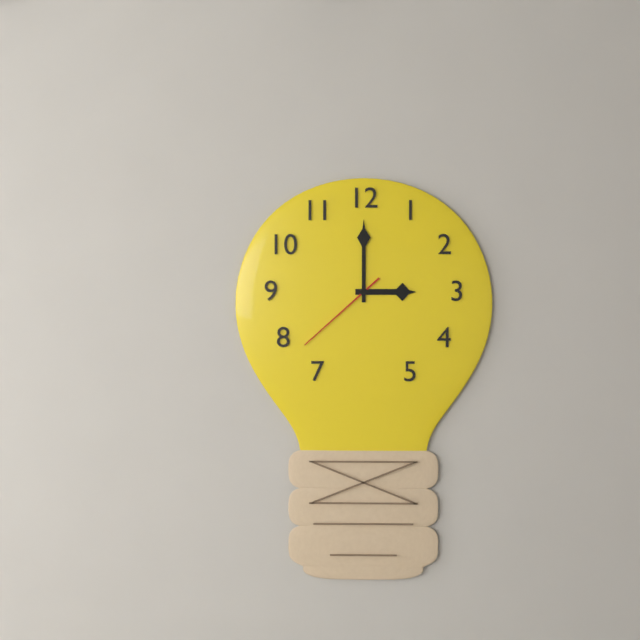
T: 3 h 00 min 38 s
